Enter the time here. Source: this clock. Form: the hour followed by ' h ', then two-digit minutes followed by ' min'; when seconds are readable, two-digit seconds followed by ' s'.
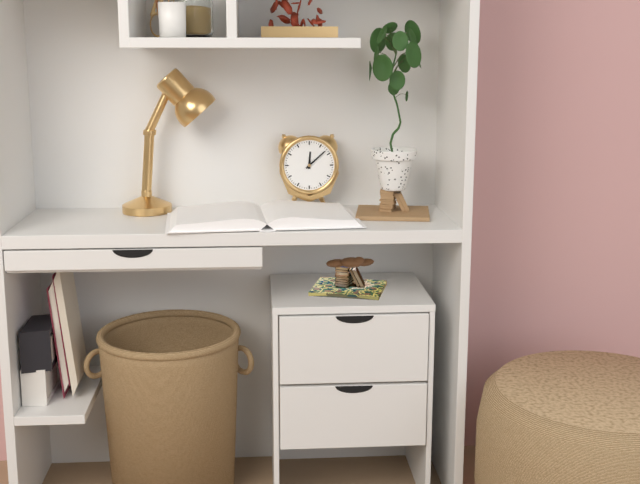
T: 12 h 08 min
